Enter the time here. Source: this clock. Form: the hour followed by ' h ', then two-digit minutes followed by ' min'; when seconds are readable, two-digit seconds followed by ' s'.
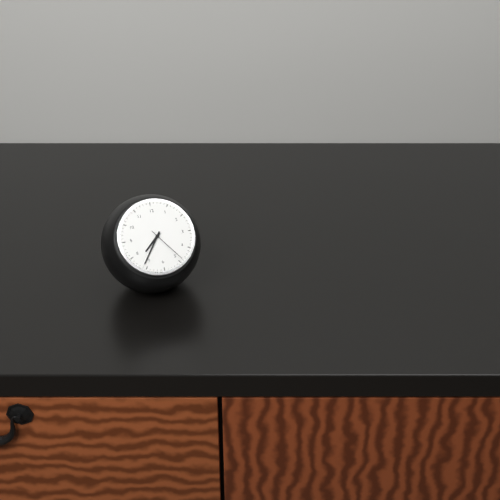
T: 7 h 36 min
